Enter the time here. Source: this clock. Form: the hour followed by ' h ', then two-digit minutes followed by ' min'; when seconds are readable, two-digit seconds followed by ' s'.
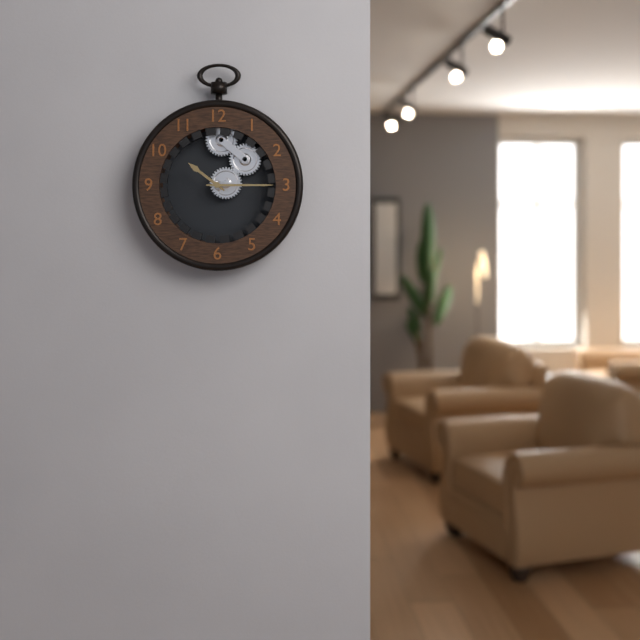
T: 10 h 15 min
